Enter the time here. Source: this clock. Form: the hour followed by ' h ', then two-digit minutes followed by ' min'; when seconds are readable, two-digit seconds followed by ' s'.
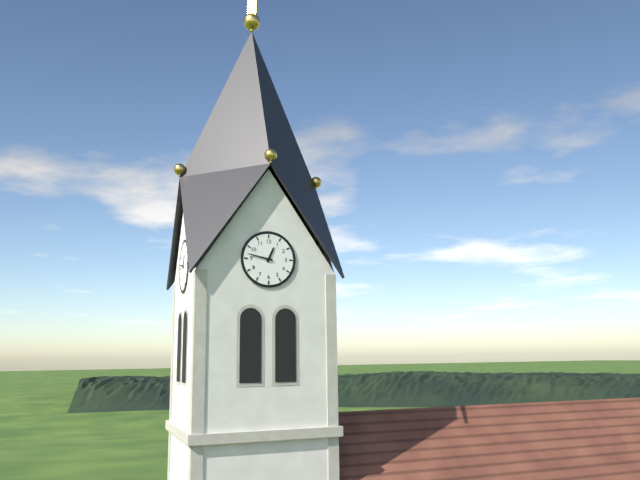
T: 12 h 47 min
